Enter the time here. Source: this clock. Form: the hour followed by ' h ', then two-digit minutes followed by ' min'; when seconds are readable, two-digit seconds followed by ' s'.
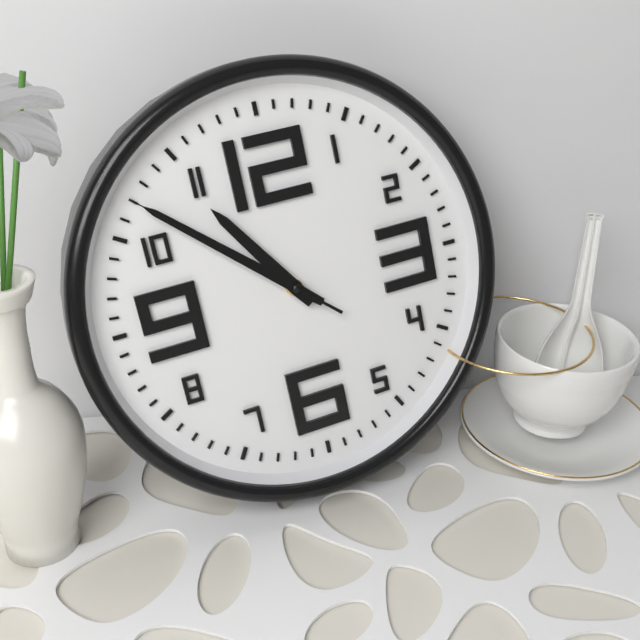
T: 10 h 52 min 52 s
